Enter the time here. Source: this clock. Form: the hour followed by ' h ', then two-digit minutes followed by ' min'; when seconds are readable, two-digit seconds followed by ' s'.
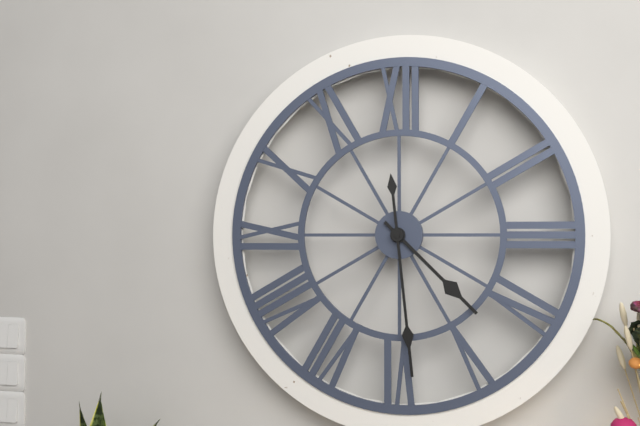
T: 4 h 29 min
